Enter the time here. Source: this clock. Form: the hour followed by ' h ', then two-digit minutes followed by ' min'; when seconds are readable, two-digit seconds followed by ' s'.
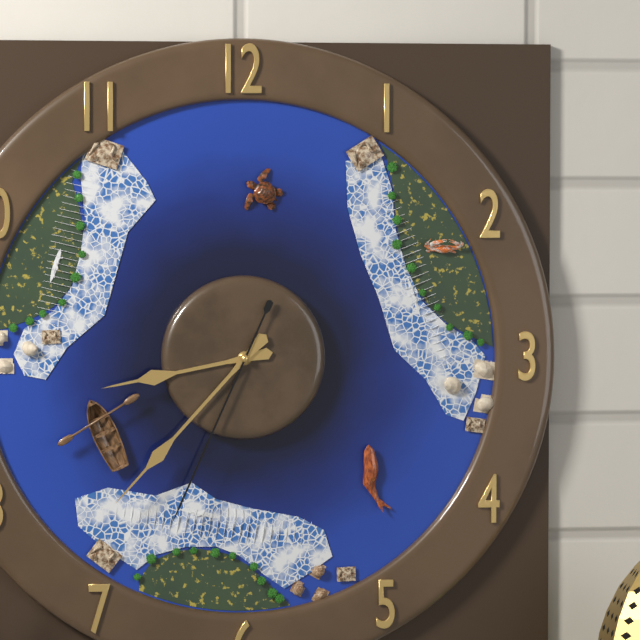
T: 8 h 37 min 34 s
